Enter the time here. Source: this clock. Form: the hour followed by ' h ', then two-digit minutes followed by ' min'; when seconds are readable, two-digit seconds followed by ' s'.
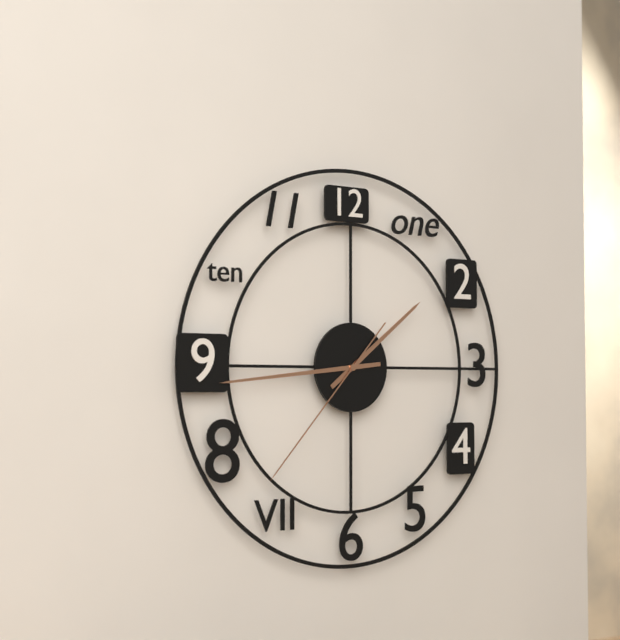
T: 1 h 44 min 37 s
